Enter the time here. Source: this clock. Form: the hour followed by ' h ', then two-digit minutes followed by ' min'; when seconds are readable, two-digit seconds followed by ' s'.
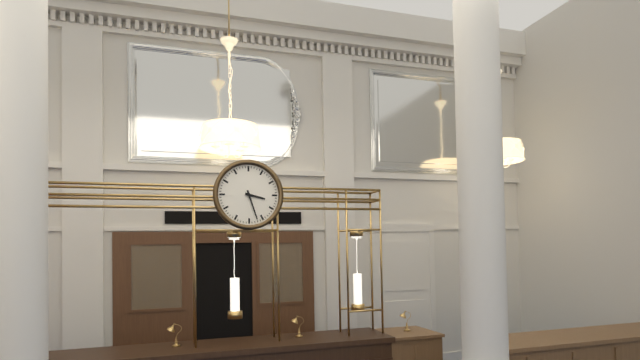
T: 3 h 27 min
